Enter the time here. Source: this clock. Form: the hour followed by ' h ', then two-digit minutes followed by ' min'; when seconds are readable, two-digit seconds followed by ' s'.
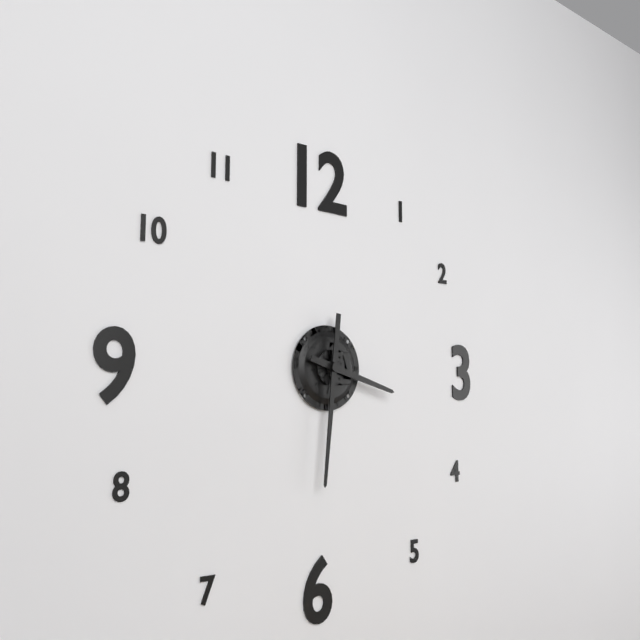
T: 3 h 31 min
